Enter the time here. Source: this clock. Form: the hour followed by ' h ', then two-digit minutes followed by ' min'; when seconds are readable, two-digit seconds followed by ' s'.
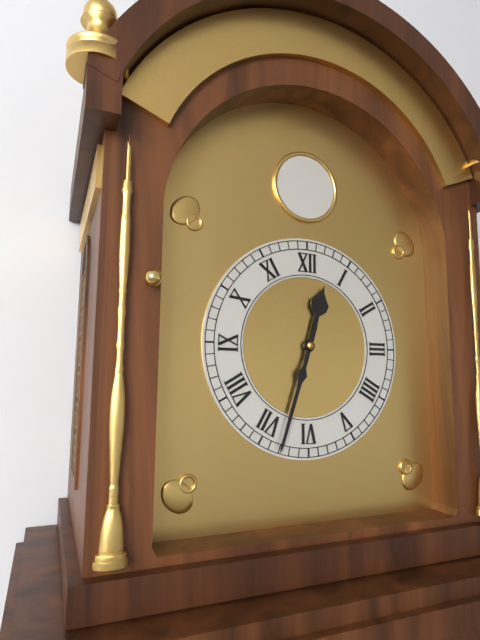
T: 12 h 33 min
